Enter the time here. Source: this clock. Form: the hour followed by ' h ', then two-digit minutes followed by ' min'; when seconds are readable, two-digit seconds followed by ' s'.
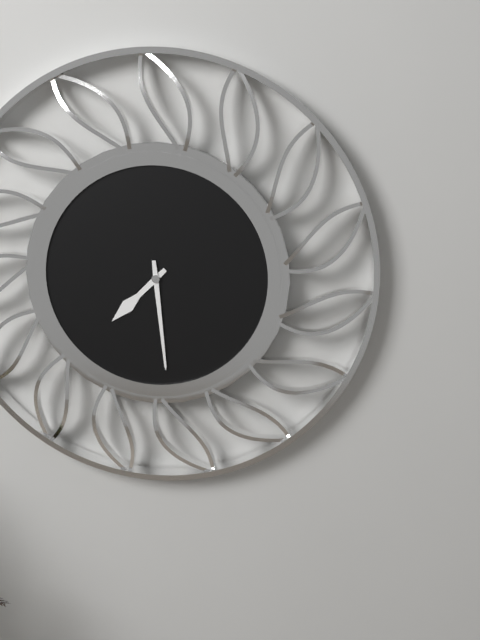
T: 7 h 29 min
